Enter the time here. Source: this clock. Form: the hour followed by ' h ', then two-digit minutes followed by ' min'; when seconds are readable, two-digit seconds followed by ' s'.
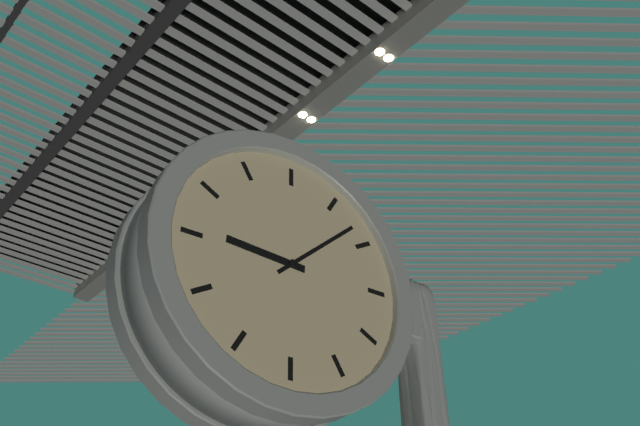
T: 9 h 08 min
